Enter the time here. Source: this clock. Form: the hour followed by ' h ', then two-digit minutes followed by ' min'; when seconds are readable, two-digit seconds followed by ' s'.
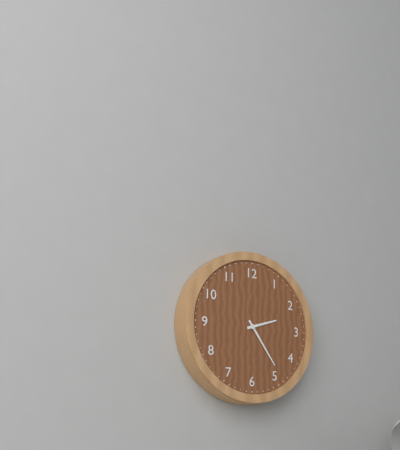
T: 2 h 24 min
